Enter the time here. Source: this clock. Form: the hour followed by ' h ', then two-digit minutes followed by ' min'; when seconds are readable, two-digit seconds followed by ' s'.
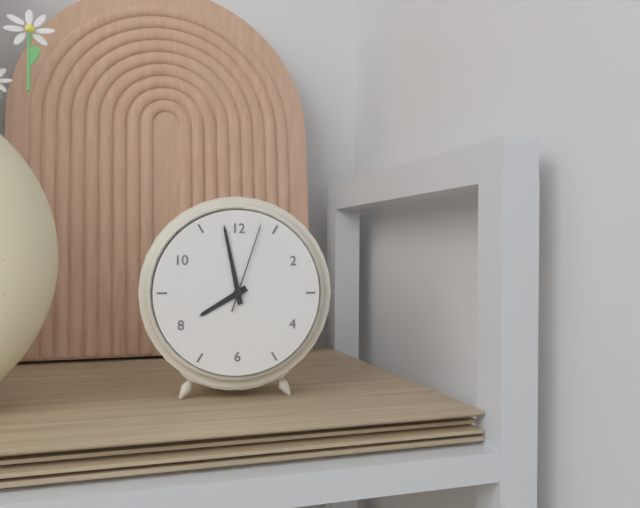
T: 7 h 58 min 03 s
